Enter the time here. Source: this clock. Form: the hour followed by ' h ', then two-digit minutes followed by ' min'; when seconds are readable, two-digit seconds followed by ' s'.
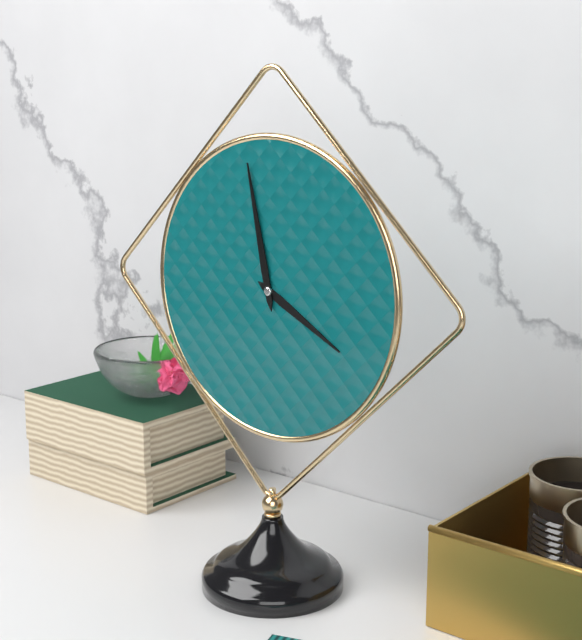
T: 3 h 58 min
